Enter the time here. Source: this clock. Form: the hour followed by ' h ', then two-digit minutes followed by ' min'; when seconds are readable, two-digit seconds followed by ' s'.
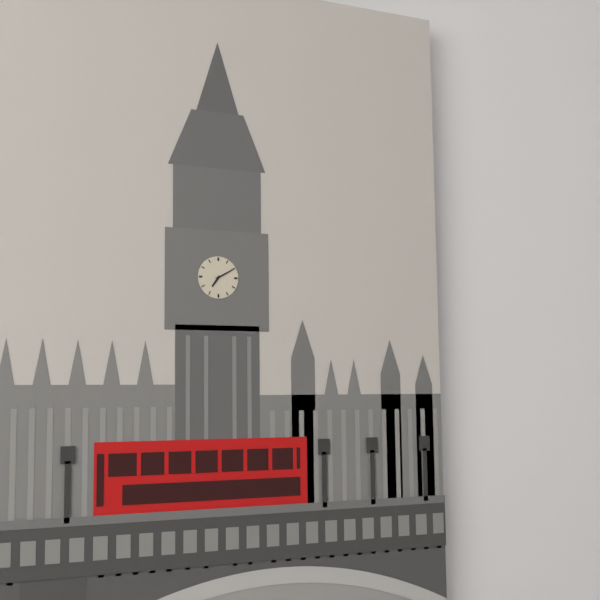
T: 7 h 10 min
